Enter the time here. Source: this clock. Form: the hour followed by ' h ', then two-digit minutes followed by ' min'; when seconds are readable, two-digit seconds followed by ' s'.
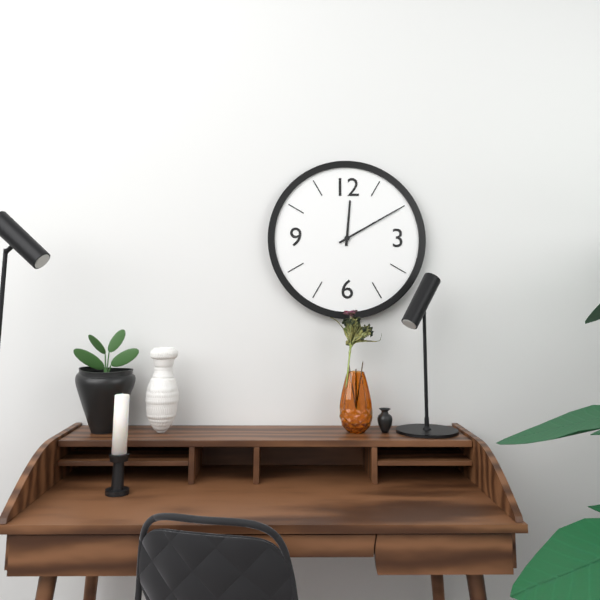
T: 12 h 10 min
